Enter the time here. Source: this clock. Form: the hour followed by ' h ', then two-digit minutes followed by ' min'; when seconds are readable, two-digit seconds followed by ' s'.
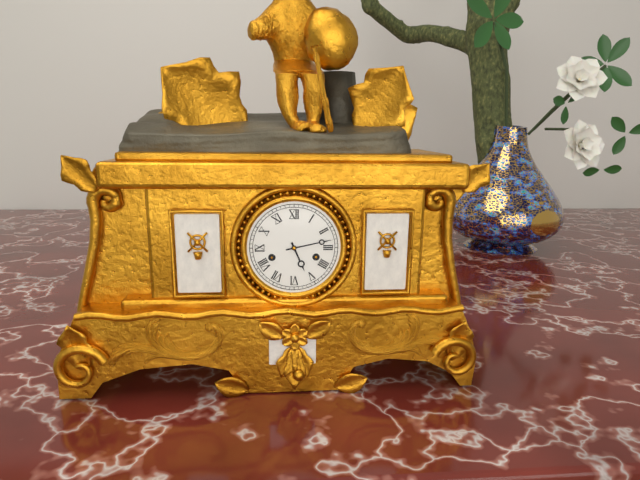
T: 5 h 13 min
